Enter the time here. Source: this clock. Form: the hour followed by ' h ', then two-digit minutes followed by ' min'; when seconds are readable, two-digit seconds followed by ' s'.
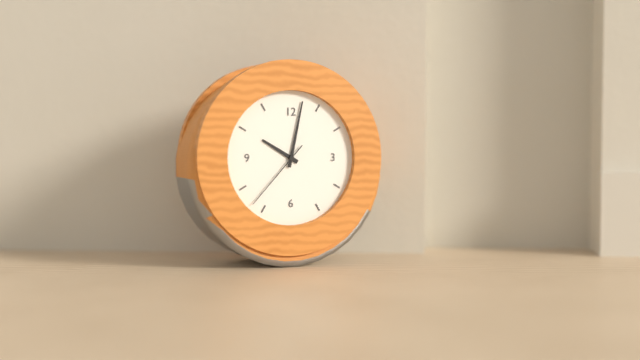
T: 10 h 02 min 37 s
